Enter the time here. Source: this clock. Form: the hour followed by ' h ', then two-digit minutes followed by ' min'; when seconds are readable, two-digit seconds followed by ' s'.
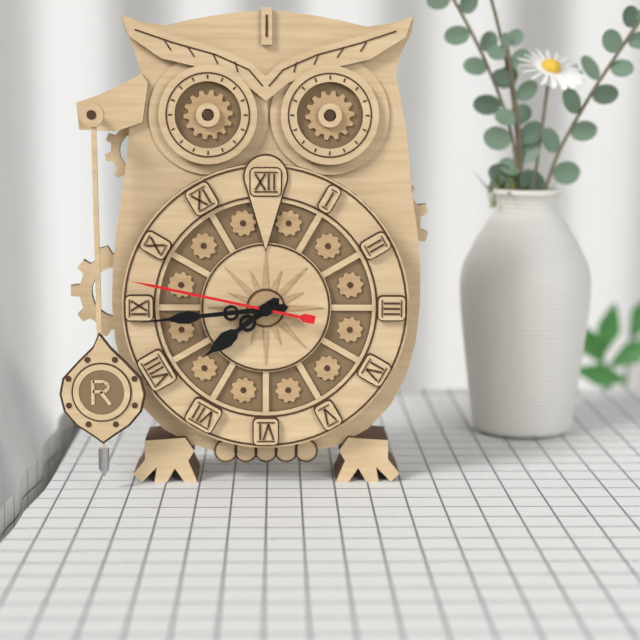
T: 7 h 44 min 47 s
